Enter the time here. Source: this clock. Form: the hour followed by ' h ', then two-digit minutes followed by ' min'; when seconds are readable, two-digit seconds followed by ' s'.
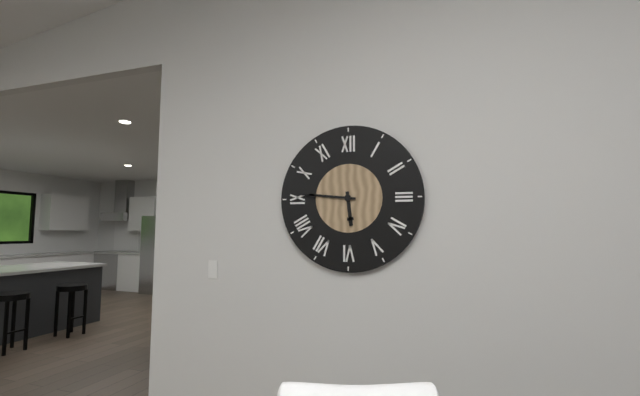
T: 5 h 46 min
